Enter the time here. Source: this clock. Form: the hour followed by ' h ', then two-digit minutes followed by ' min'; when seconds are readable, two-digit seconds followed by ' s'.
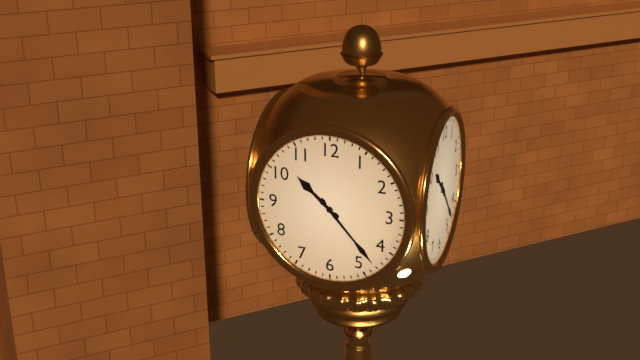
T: 10 h 23 min
